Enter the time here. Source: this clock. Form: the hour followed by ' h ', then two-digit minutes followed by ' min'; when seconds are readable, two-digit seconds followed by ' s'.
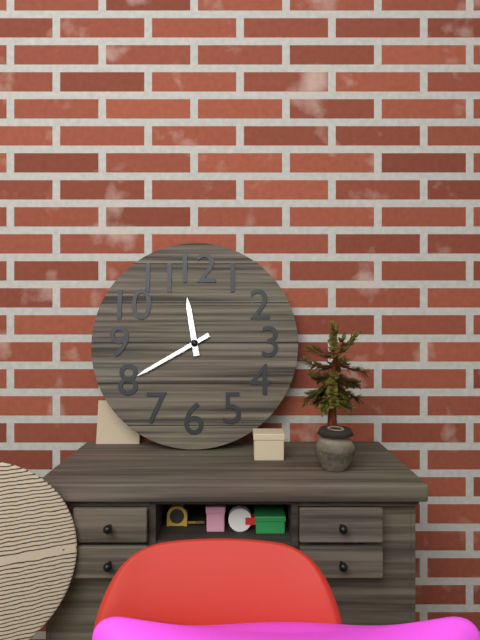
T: 11 h 40 min
